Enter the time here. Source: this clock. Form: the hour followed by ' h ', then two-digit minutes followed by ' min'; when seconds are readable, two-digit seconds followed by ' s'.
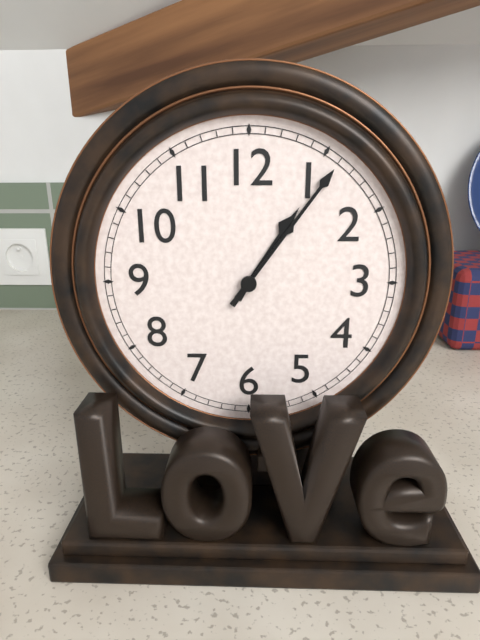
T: 1 h 06 min
